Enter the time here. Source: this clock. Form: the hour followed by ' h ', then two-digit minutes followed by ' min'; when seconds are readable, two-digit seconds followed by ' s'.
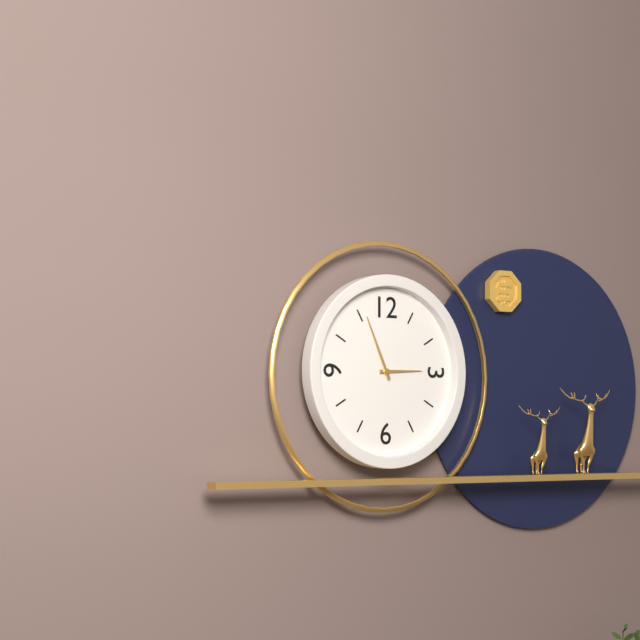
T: 2 h 56 min
